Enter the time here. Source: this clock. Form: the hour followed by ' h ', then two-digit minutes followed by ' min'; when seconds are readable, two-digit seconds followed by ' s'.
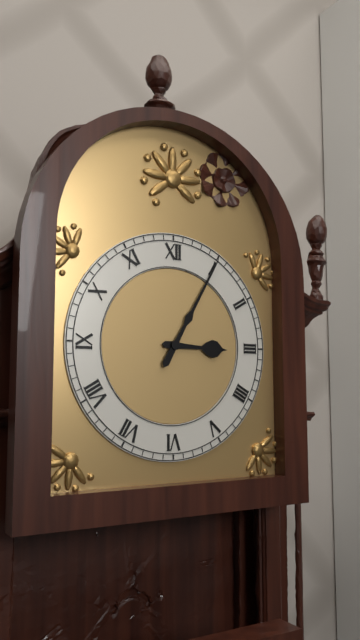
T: 3 h 05 min
